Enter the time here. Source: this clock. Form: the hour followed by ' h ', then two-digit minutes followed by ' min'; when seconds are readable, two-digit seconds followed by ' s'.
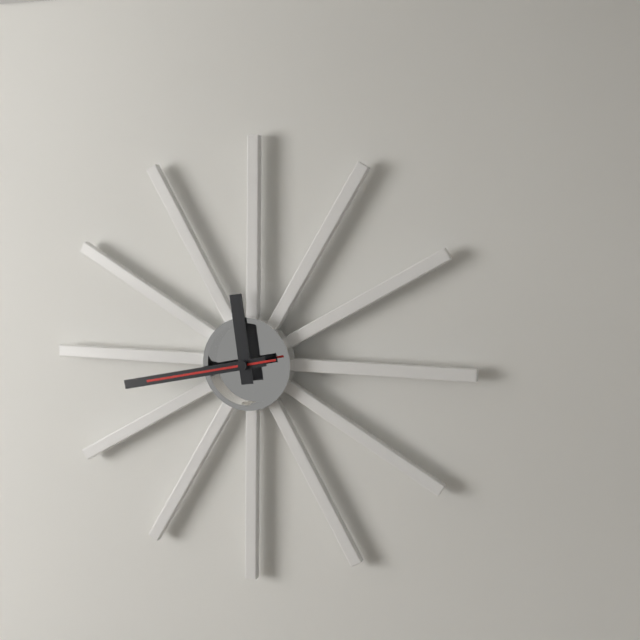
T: 11 h 43 min 43 s
